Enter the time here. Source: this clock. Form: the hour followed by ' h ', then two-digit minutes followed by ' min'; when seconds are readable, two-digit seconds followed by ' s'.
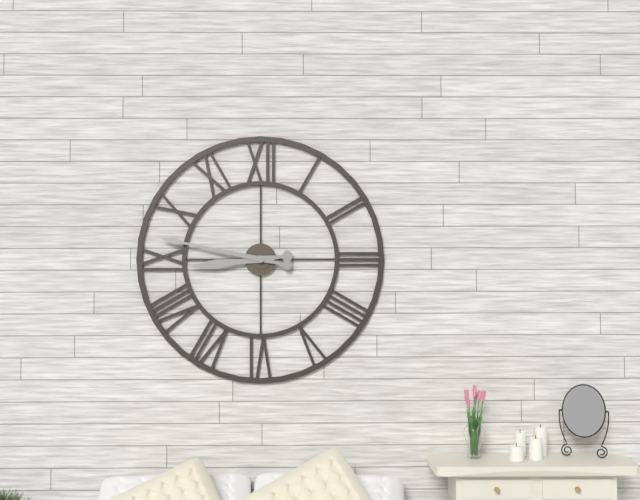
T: 8 h 47 min
